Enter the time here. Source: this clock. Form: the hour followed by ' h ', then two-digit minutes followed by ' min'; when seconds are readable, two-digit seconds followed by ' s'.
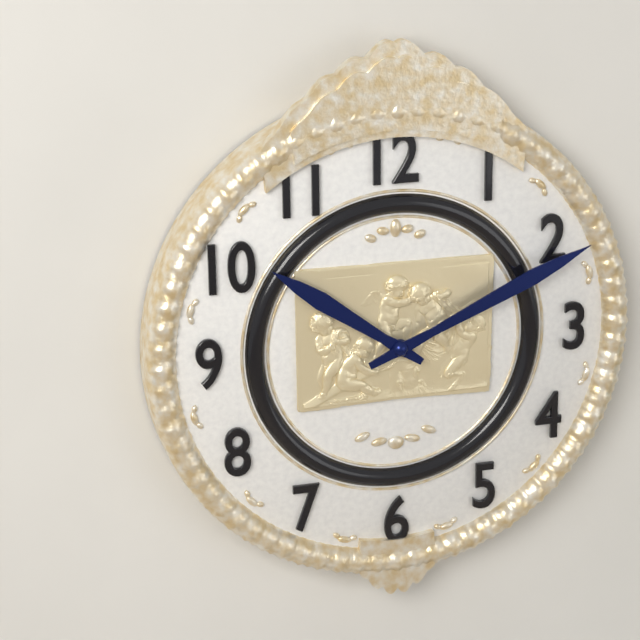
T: 10 h 11 min
